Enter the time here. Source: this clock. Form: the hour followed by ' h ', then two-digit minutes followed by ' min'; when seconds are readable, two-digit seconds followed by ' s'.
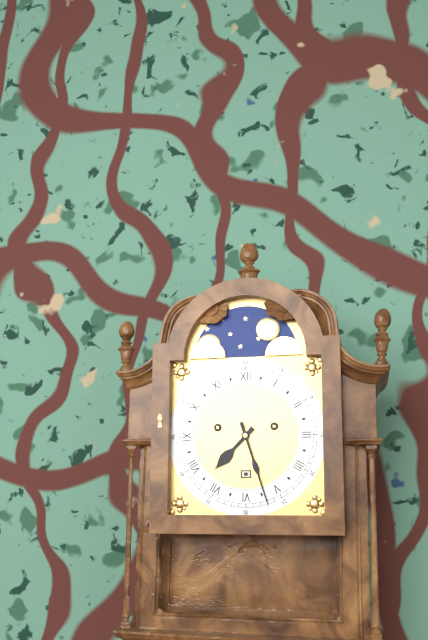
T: 7 h 27 min
